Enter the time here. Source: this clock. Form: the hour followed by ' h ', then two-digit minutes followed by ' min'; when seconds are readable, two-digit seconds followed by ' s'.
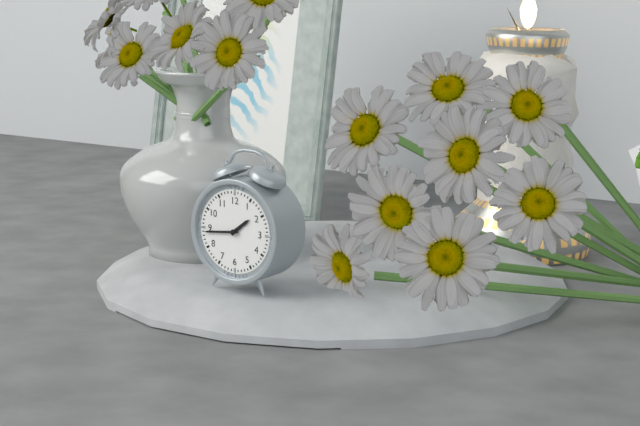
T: 1 h 44 min
